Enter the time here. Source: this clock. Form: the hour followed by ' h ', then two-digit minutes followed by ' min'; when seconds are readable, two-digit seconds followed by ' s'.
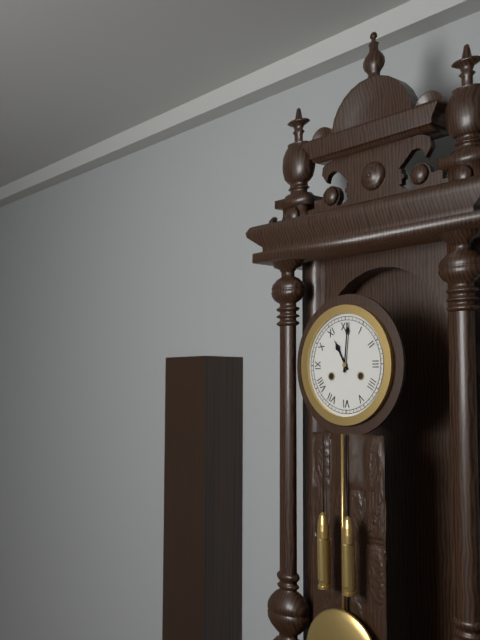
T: 11 h 01 min
